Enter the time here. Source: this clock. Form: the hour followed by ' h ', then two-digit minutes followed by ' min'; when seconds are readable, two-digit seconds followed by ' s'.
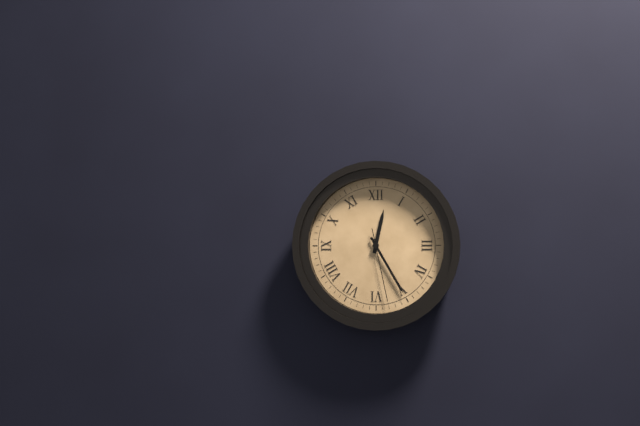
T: 12 h 25 min 28 s
